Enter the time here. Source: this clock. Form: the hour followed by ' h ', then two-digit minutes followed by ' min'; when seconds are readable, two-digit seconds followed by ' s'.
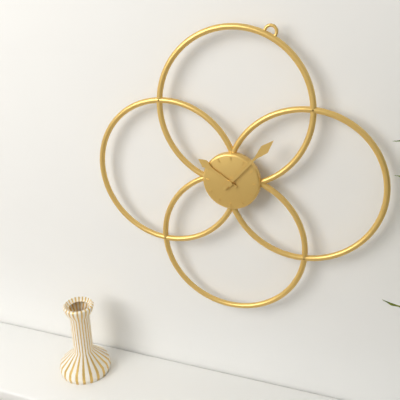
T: 10 h 07 min
